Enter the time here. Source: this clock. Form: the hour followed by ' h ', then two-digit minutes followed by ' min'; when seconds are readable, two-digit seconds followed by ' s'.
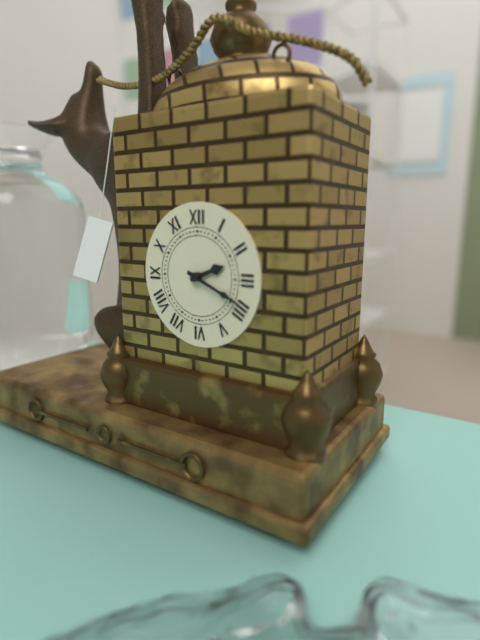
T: 2 h 19 min
